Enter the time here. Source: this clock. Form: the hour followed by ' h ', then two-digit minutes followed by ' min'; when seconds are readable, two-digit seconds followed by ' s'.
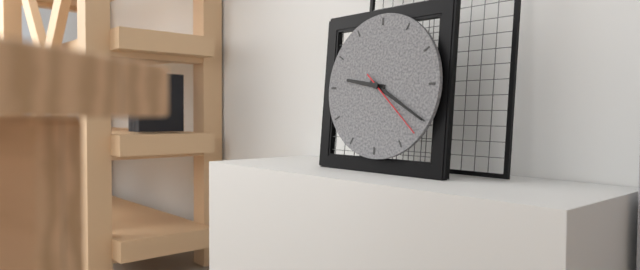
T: 9 h 20 min 22 s
